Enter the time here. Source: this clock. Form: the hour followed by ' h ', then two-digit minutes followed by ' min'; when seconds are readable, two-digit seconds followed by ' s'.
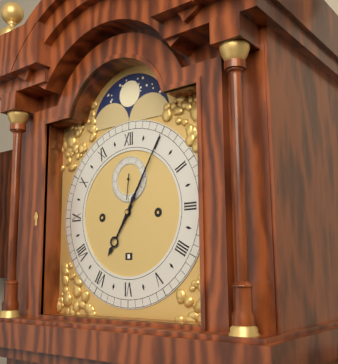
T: 7 h 05 min
